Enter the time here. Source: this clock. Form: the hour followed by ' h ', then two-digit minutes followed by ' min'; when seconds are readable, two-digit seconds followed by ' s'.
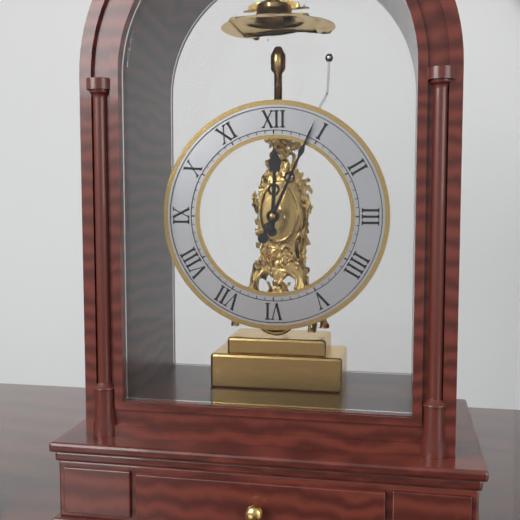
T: 12 h 04 min
